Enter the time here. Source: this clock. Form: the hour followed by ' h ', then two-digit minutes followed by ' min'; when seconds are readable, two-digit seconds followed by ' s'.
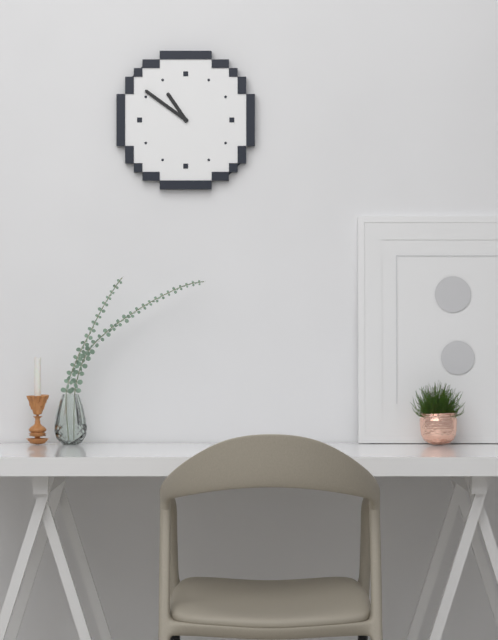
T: 10 h 51 min
